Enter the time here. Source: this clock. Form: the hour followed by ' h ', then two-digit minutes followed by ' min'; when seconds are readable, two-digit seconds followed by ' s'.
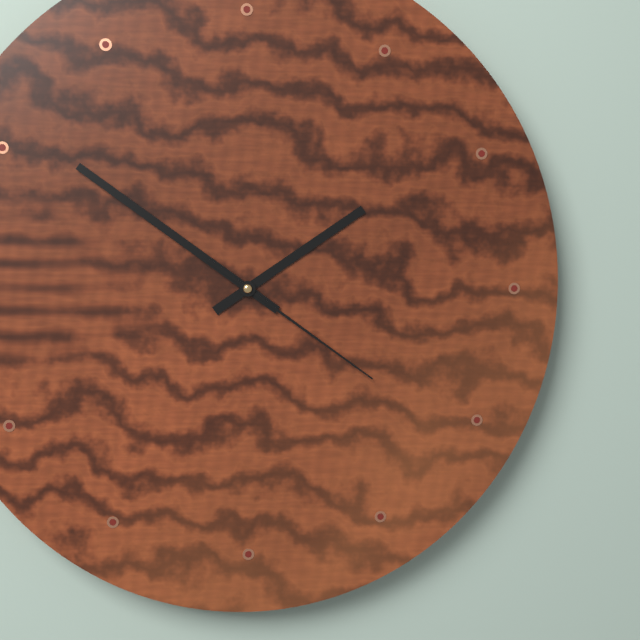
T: 1 h 51 min 21 s
